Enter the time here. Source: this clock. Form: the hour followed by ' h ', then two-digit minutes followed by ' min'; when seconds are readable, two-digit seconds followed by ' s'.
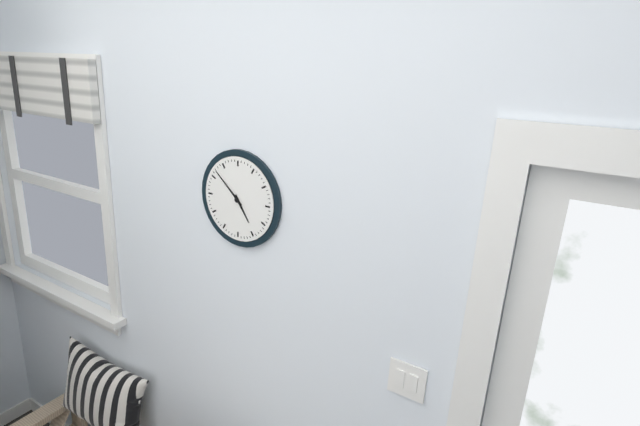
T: 4 h 52 min
